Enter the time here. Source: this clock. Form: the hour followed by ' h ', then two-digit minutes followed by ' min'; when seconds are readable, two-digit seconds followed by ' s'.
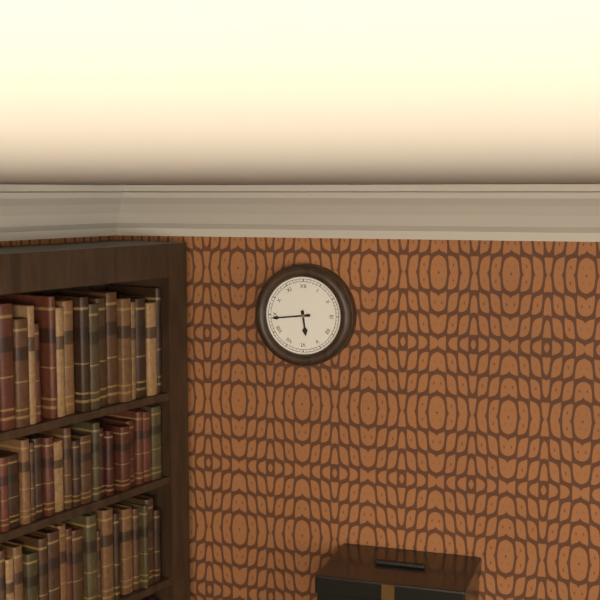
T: 5 h 44 min
